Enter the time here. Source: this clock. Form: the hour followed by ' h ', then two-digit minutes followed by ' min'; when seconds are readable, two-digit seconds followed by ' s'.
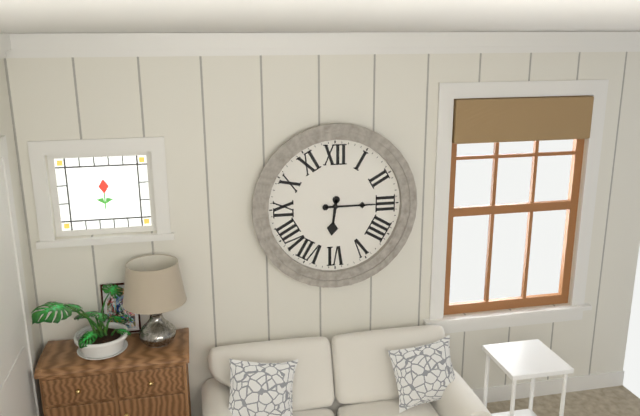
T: 6 h 15 min
